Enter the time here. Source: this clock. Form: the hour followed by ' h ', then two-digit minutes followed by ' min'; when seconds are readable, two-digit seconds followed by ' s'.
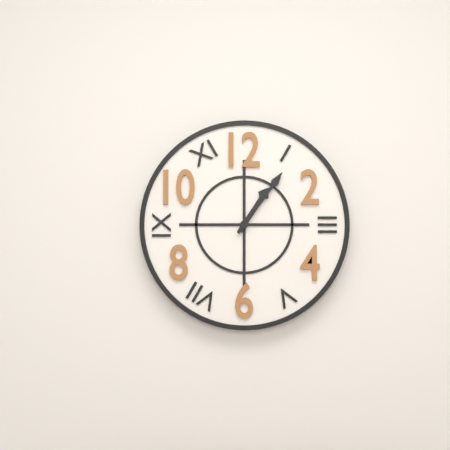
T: 1 h 06 min
